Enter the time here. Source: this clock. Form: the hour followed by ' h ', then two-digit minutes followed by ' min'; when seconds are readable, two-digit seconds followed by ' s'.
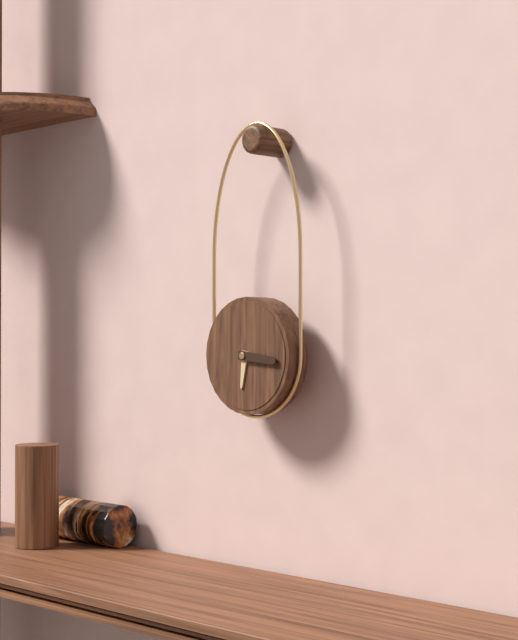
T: 6 h 16 min
